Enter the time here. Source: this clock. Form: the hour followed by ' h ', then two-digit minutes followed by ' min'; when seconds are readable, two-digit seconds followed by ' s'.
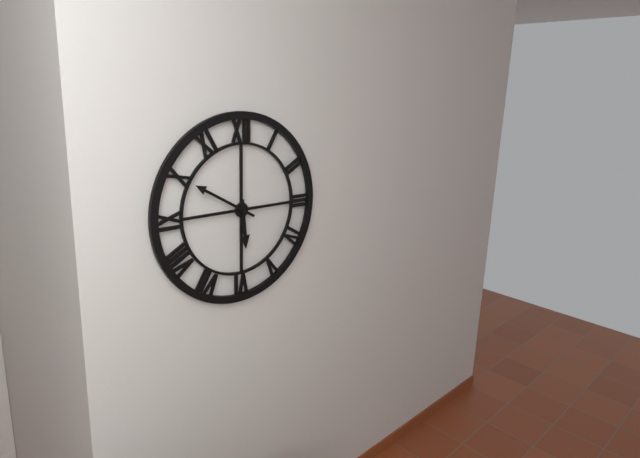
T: 5 h 50 min
